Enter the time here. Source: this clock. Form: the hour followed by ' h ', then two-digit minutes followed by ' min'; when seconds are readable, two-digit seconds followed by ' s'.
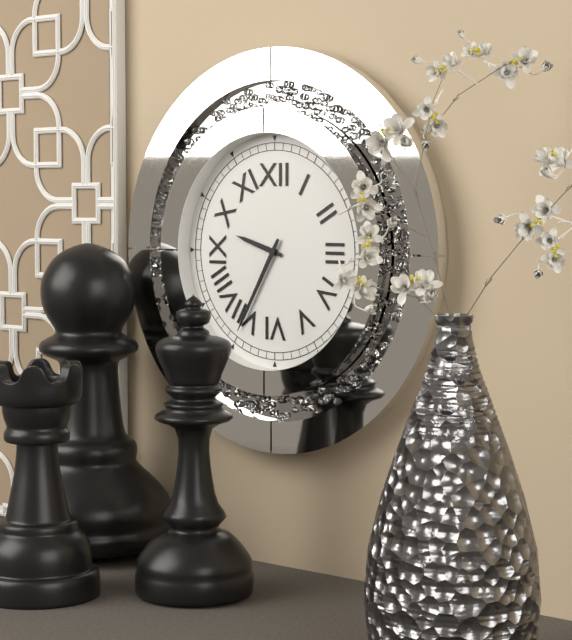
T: 9 h 35 min
